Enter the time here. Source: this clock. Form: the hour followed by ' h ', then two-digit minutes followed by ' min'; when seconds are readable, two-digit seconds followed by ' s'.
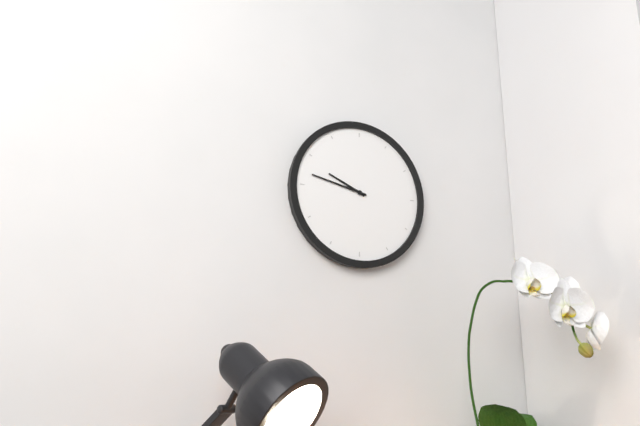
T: 9 h 47 min
